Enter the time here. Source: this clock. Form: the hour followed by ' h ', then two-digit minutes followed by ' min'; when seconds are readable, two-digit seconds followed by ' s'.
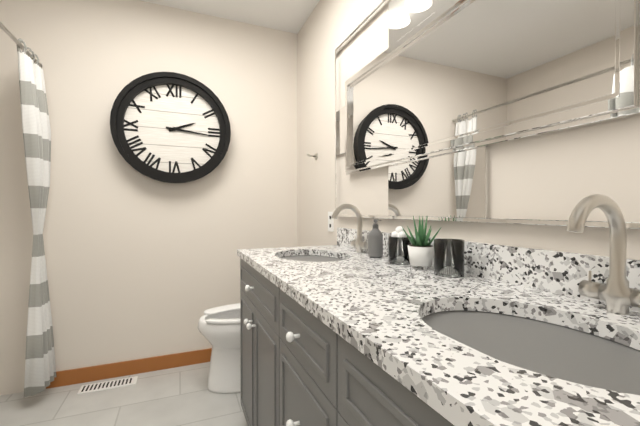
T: 2 h 16 min
